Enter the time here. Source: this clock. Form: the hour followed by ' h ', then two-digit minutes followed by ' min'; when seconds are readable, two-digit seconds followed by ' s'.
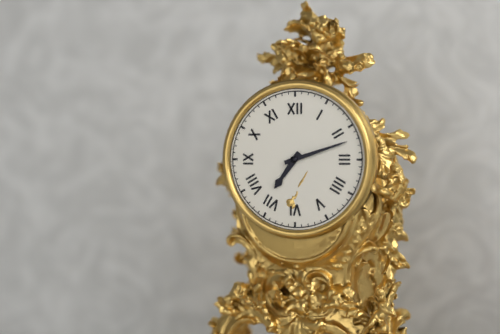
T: 7 h 12 min
